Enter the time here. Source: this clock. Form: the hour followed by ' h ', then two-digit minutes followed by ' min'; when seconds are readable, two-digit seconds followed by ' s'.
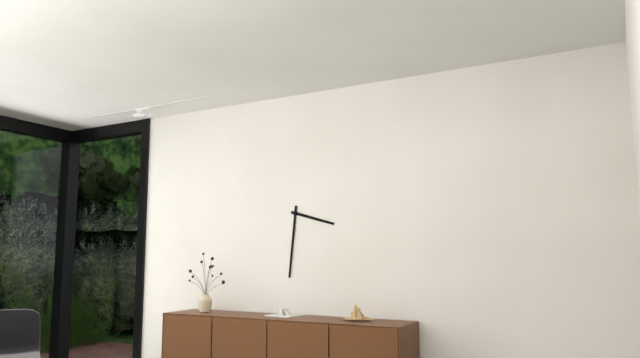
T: 3 h 31 min
